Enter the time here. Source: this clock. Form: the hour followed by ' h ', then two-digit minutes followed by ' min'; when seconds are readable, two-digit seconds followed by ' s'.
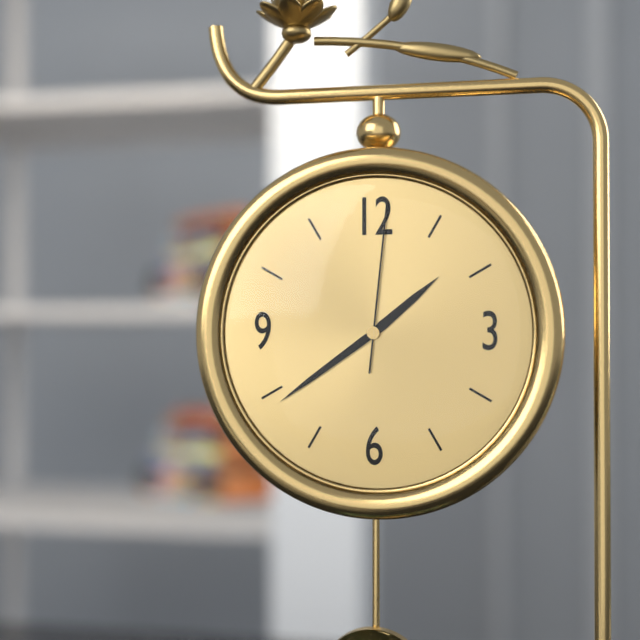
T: 1 h 39 min 01 s
